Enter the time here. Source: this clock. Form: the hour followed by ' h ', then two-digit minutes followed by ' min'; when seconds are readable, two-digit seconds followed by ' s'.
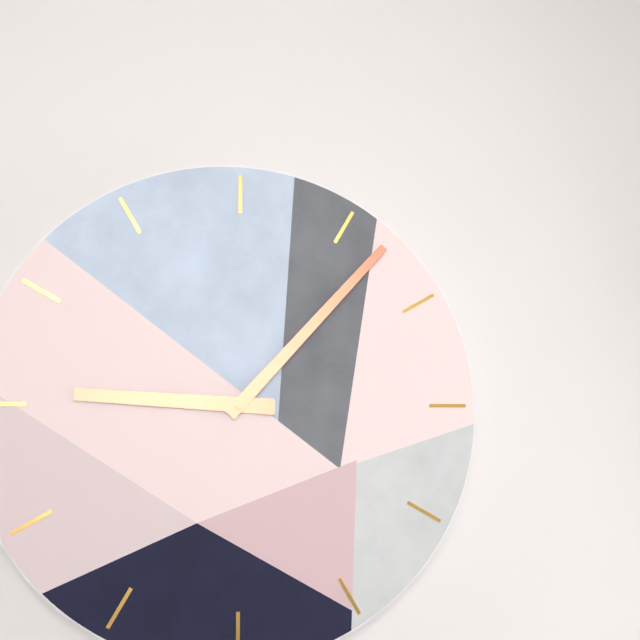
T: 9 h 07 min
